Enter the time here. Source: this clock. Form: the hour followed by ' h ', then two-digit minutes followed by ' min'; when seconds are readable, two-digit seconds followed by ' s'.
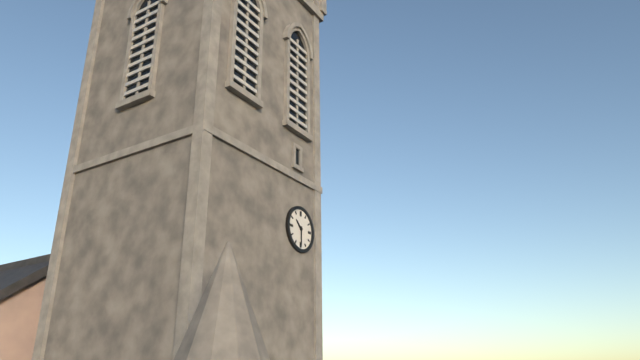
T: 10 h 30 min
